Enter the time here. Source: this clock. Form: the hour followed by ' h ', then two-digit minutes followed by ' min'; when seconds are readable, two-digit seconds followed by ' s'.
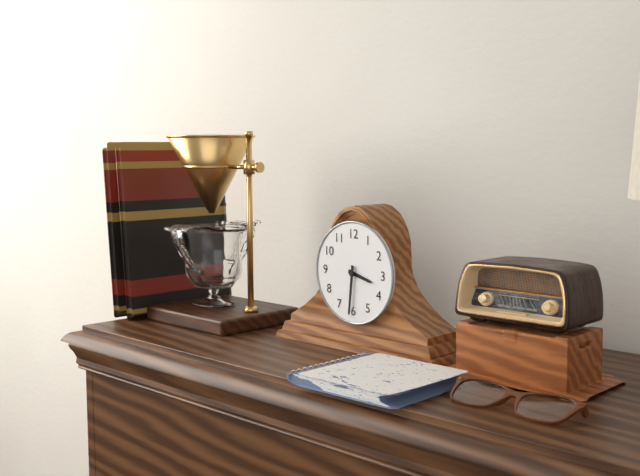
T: 3 h 31 min
